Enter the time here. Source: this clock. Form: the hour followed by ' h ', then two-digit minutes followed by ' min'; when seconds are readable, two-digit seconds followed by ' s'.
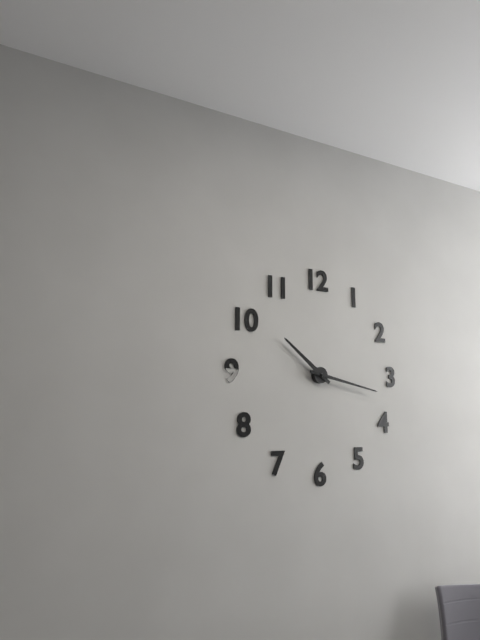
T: 10 h 17 min
